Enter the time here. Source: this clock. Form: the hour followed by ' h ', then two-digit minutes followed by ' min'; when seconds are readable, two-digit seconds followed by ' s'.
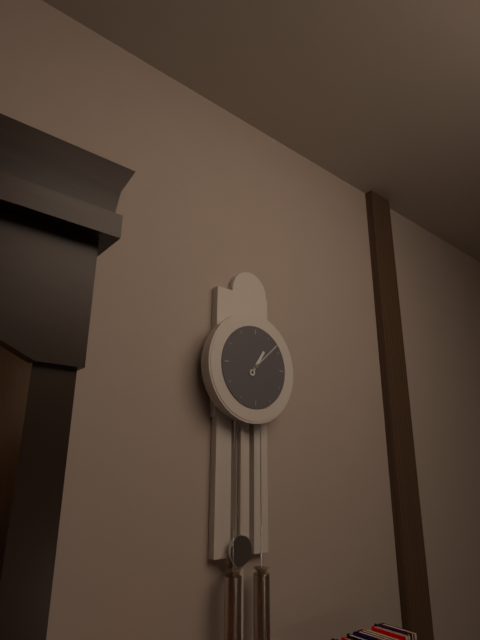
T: 1 h 08 min
